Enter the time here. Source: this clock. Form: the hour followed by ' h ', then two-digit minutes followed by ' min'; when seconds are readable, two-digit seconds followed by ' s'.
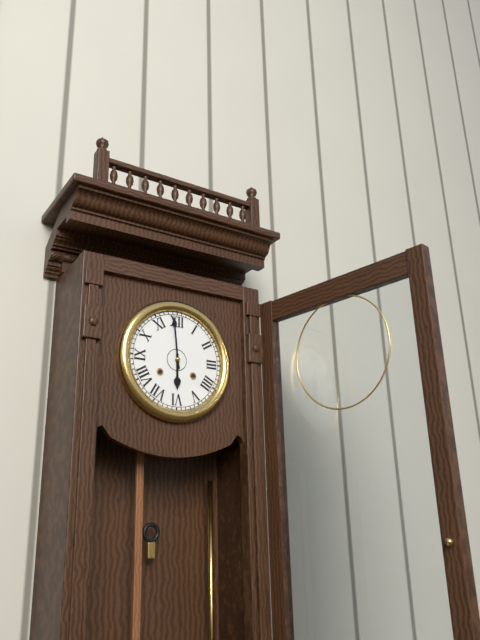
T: 5 h 59 min
